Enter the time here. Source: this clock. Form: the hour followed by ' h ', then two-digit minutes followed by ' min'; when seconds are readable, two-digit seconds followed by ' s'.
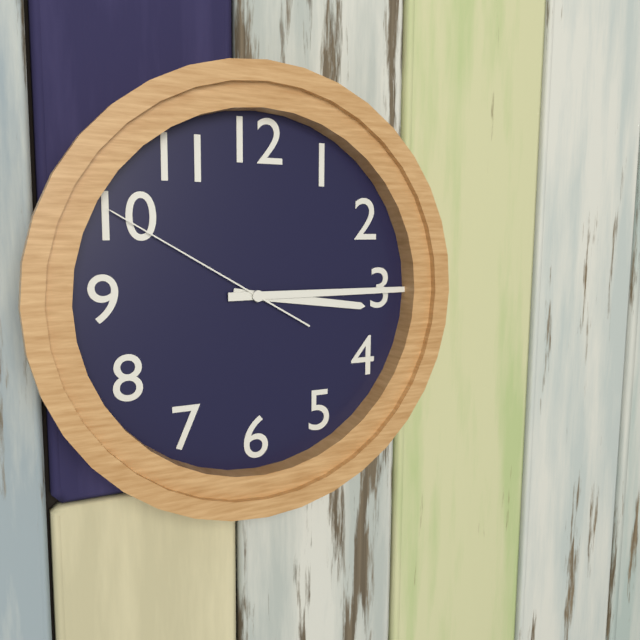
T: 3 h 15 min 50 s
